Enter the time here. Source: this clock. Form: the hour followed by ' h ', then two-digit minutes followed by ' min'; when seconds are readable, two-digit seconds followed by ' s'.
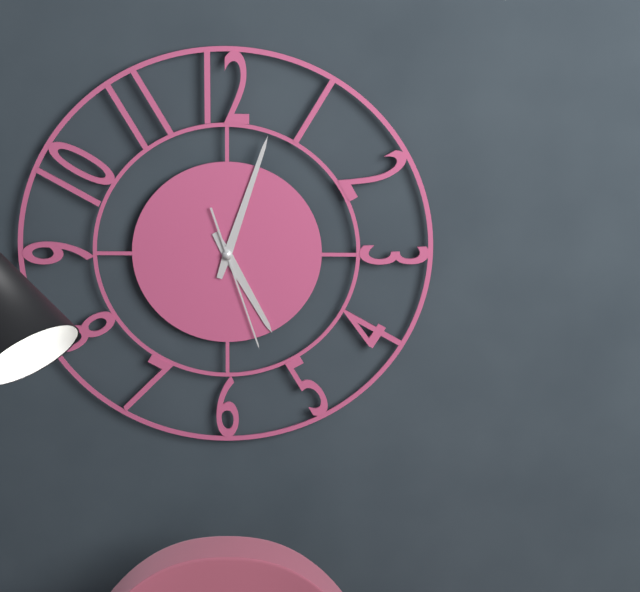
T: 5 h 03 min 27 s
